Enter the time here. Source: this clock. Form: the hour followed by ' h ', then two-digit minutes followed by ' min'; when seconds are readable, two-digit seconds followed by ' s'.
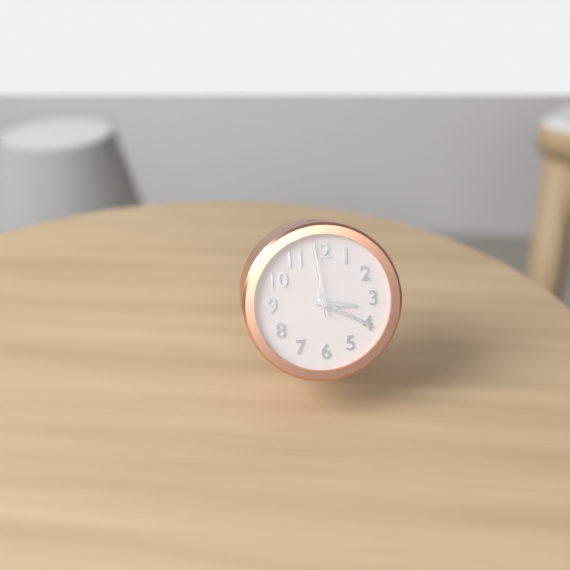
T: 3 h 20 min 59 s
